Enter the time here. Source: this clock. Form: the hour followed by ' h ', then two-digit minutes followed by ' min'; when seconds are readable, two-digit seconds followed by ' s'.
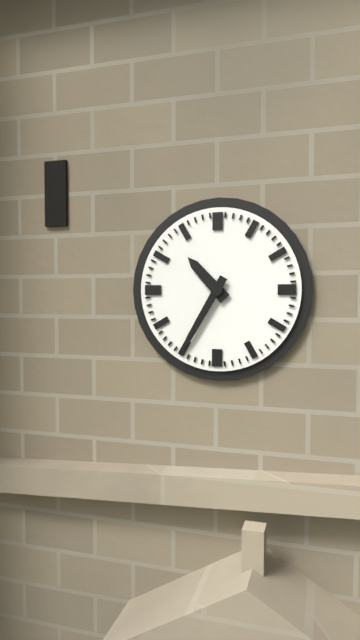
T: 10 h 35 min
